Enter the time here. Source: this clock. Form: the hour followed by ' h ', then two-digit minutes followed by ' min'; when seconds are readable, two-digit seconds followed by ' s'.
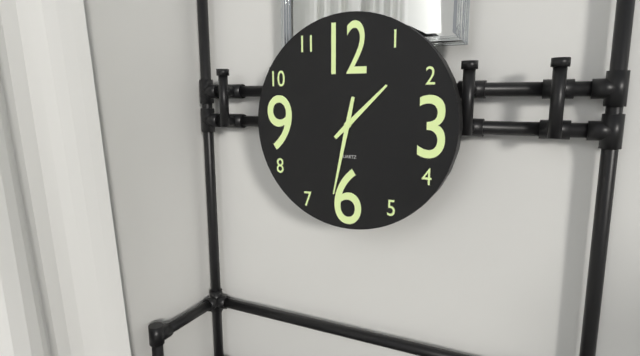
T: 1 h 32 min
